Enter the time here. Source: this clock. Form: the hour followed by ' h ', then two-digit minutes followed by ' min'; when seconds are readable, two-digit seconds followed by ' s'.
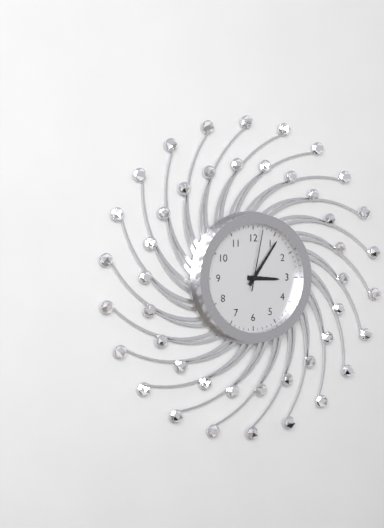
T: 3 h 06 min 02 s
